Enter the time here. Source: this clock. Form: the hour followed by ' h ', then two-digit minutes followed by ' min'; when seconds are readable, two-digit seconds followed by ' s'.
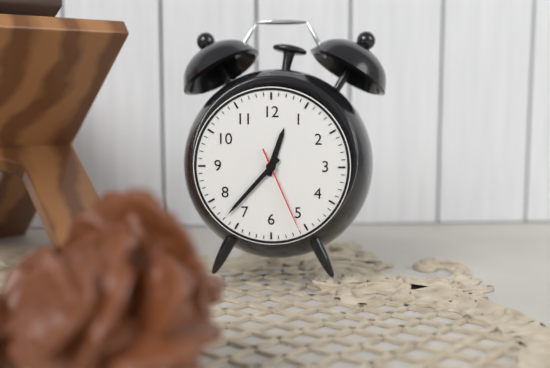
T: 12 h 37 min 26 s
